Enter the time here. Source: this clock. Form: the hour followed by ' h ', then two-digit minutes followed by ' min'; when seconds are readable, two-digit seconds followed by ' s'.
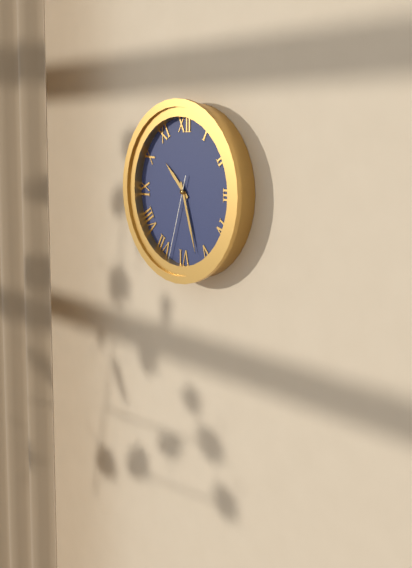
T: 10 h 27 min 33 s
